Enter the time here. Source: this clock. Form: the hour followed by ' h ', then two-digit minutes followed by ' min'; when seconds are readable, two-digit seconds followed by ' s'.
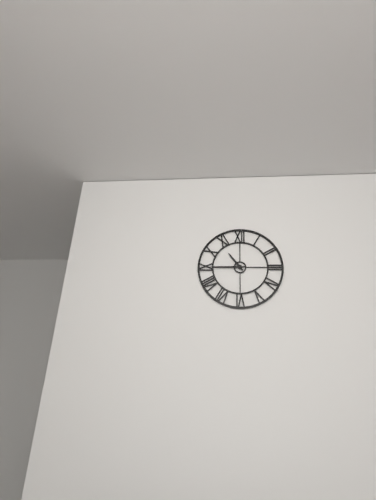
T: 10 h 45 min
